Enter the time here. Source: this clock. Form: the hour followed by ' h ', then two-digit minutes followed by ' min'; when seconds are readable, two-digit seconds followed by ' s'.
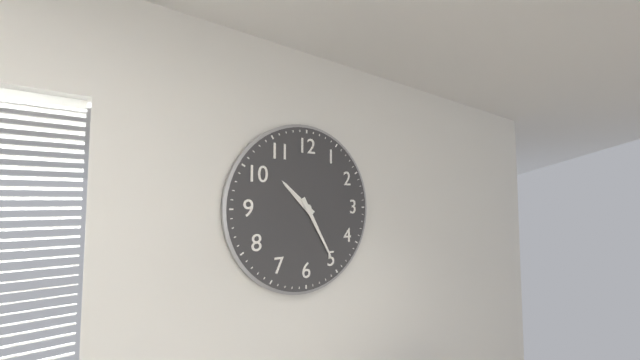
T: 10 h 25 min
